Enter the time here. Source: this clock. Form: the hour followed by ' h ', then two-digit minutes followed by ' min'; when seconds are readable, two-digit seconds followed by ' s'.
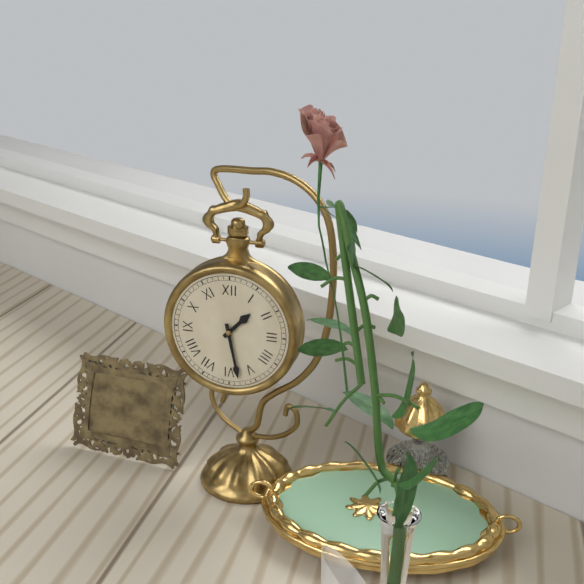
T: 1 h 28 min
